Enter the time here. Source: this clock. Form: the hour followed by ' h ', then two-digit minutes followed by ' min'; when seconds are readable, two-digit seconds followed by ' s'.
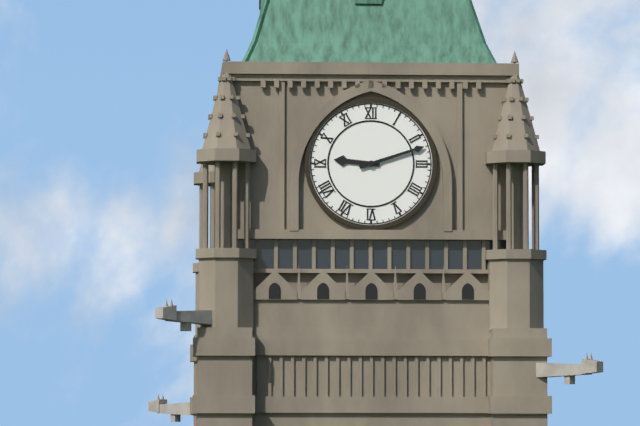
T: 9 h 12 min
